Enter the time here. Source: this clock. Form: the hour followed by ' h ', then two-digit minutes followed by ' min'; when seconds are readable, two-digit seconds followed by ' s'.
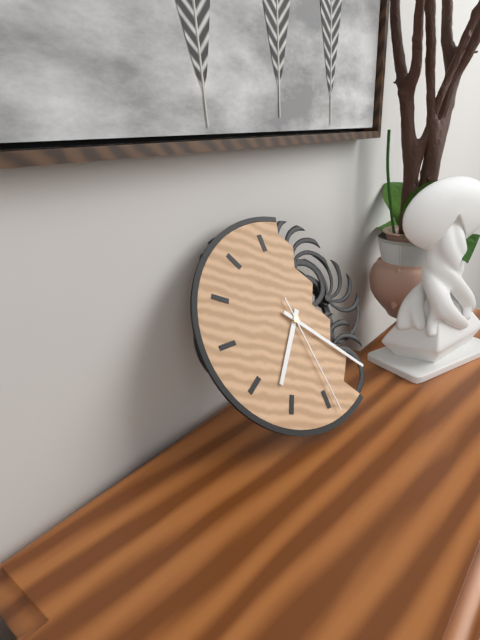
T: 7 h 23 min 29 s
